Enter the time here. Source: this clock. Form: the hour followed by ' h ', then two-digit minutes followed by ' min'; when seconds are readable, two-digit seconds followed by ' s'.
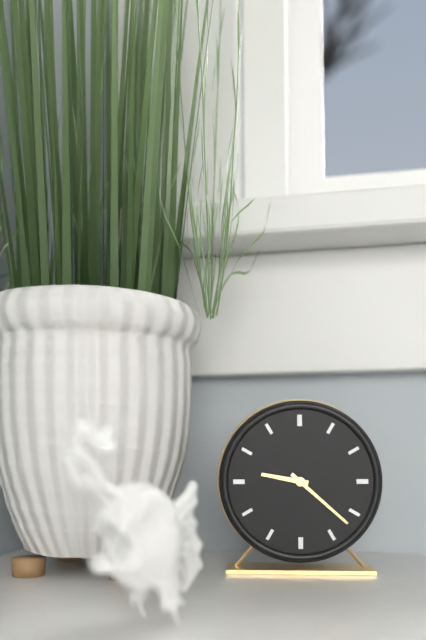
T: 9 h 22 min
